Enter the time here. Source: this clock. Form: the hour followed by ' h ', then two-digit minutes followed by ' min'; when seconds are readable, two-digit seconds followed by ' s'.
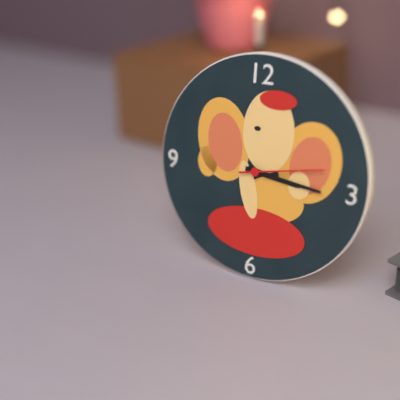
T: 3 h 16 min 13 s
